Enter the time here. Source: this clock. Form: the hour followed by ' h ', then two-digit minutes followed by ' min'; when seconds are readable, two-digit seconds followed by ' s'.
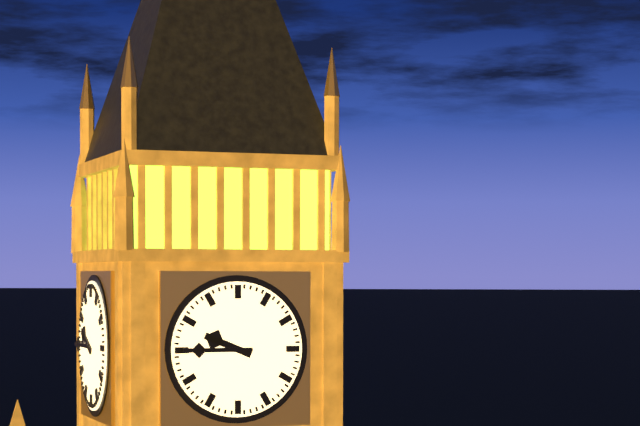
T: 9 h 45 min
